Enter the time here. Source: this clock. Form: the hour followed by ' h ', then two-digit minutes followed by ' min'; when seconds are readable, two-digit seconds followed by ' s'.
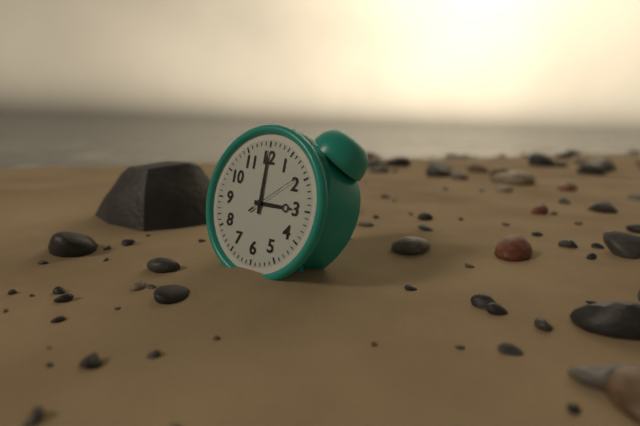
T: 3 h 00 min 09 s
